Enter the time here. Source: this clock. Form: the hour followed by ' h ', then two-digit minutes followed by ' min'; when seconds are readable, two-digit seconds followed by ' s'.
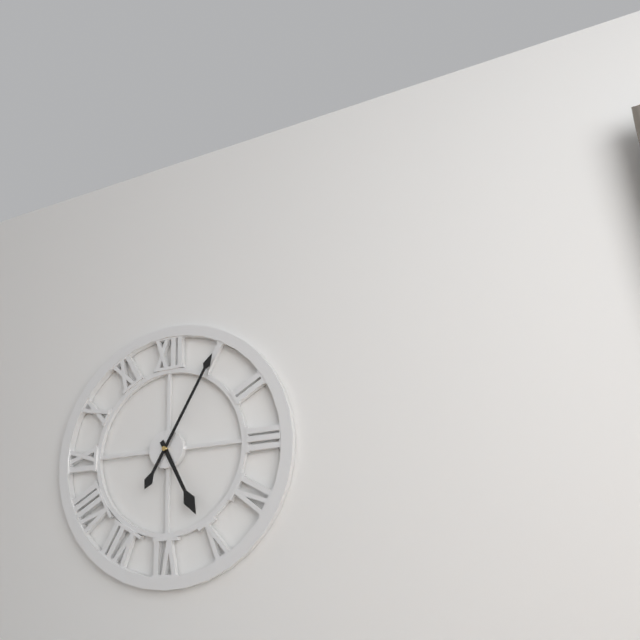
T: 5 h 05 min
